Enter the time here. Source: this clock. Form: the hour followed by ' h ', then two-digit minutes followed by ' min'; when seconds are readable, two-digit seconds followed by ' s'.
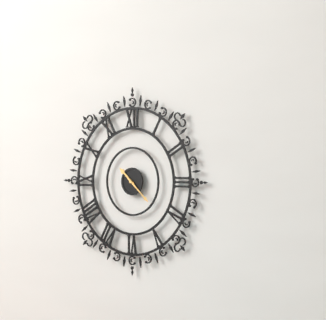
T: 10 h 22 min
